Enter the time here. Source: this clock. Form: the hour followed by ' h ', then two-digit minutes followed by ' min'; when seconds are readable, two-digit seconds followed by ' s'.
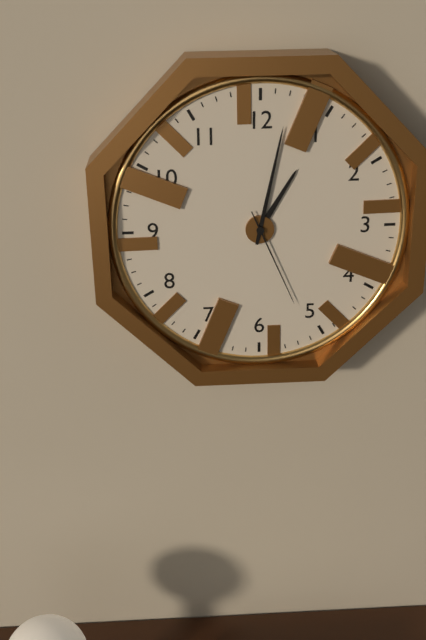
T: 1 h 02 min 26 s
